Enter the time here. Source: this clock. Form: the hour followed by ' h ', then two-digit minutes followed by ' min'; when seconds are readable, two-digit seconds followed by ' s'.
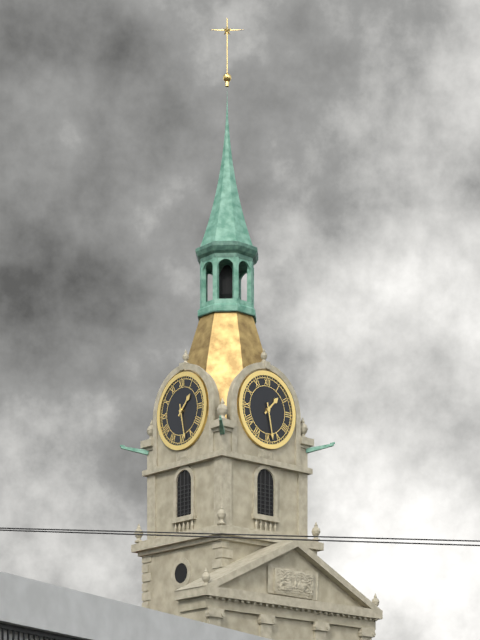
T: 1 h 28 min
